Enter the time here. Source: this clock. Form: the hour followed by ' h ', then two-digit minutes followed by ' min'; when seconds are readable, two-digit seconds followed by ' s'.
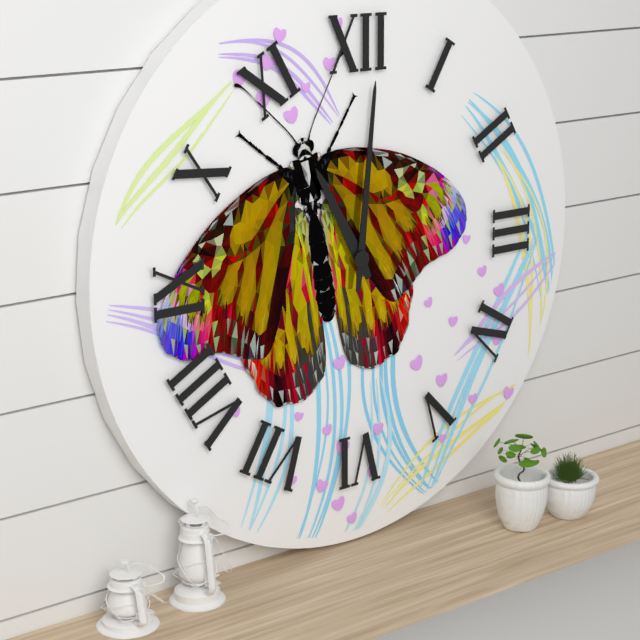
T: 11 h 01 min
